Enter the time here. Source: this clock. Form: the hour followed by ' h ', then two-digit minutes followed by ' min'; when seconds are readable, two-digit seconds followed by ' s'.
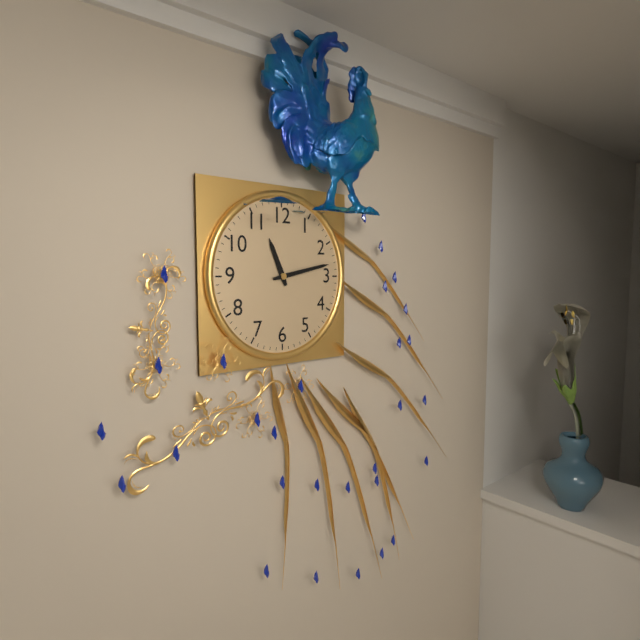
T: 11 h 13 min
